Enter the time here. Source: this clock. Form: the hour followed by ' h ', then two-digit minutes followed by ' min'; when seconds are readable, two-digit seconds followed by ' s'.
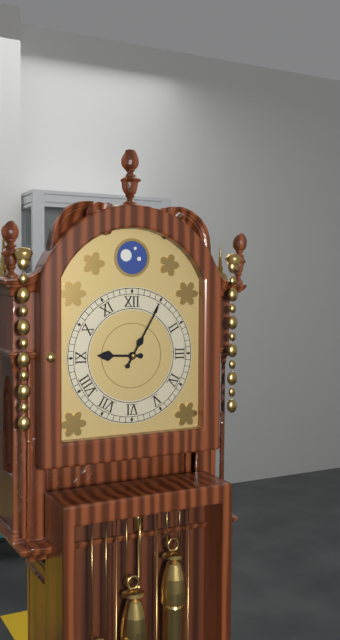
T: 9 h 05 min
